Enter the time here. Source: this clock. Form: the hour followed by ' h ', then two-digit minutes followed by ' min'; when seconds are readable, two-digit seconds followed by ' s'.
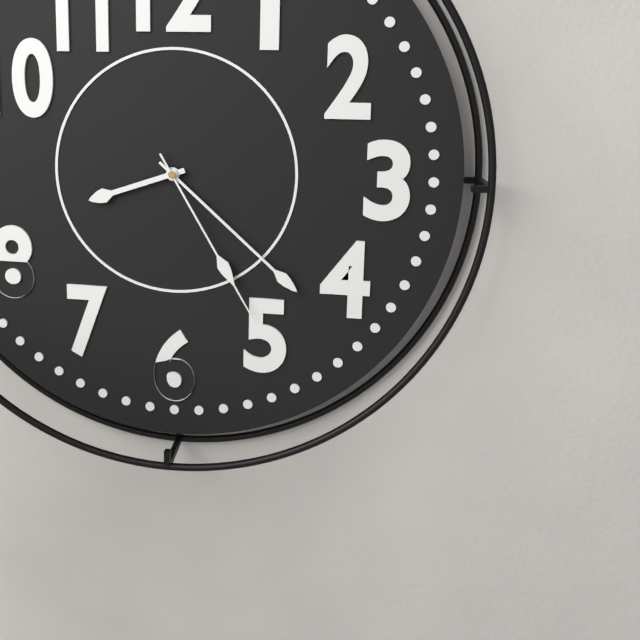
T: 8 h 22 min 25 s
